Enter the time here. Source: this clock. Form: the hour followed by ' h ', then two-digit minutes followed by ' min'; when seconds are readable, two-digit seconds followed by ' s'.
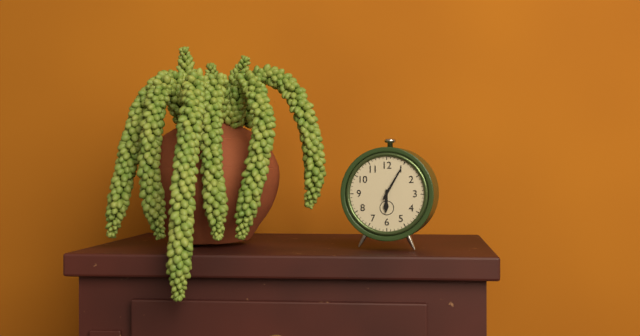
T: 6 h 05 min
